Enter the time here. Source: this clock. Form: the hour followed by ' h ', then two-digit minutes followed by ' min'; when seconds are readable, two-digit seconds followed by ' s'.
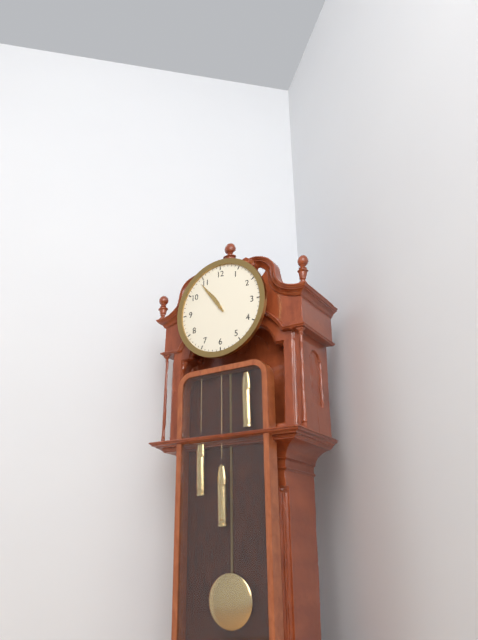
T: 10 h 54 min
